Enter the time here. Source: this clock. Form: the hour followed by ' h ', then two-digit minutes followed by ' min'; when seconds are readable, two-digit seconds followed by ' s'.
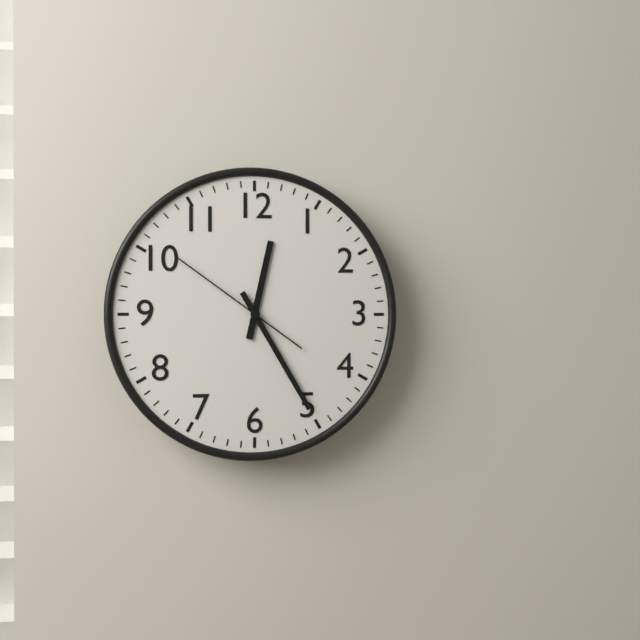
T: 12 h 25 min 51 s
